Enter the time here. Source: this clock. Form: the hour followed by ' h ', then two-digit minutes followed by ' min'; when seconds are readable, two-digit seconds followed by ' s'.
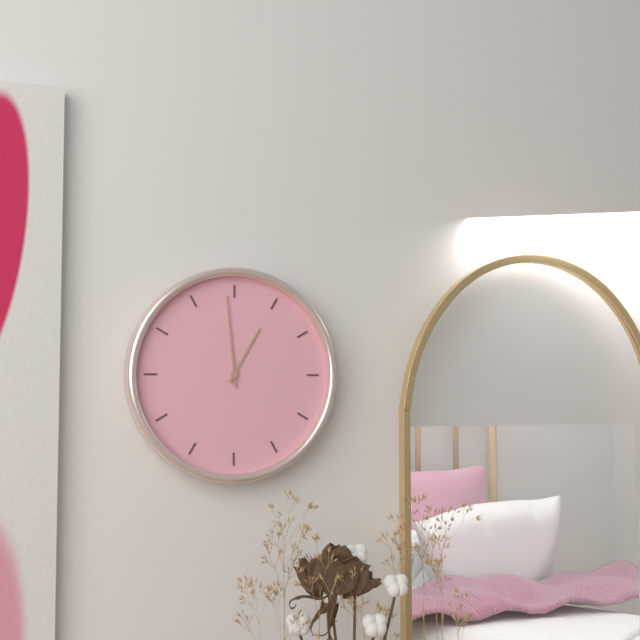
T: 12 h 59 min
